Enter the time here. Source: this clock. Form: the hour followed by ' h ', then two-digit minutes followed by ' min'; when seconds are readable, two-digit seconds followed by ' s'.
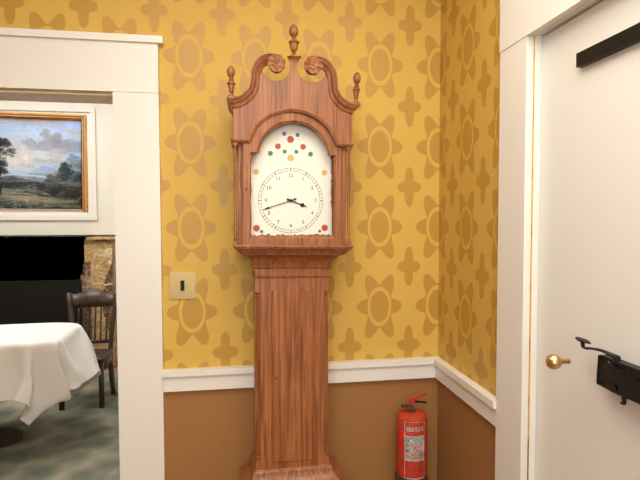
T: 3 h 42 min
